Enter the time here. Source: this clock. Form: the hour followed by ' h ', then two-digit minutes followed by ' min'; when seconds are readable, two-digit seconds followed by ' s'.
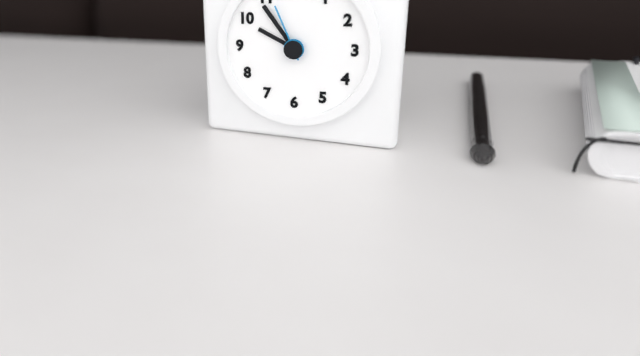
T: 9 h 54 min 56 s
